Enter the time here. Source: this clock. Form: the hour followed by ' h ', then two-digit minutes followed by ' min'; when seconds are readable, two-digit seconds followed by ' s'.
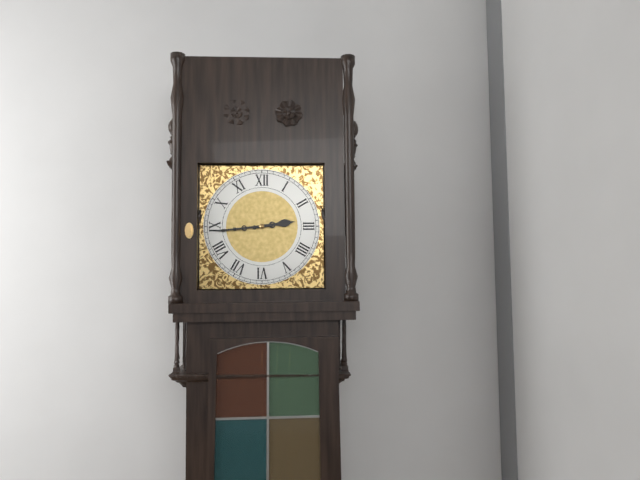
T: 2 h 44 min
